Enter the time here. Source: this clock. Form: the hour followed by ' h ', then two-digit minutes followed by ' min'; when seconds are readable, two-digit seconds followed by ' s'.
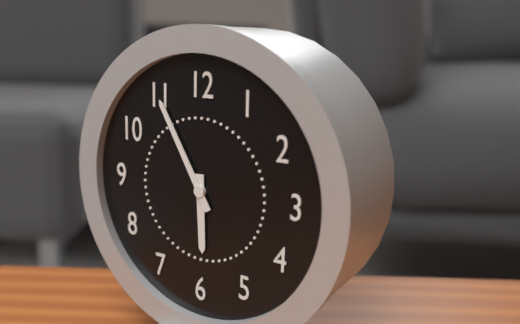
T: 5 h 55 min
